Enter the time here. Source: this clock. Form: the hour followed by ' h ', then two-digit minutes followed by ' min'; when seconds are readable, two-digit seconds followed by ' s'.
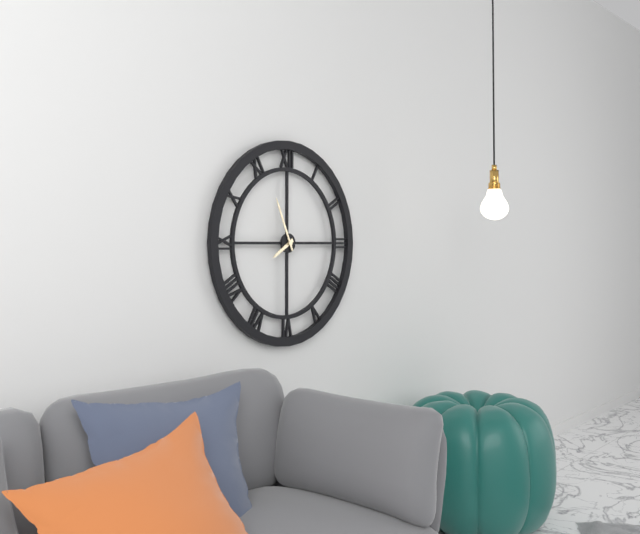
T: 7 h 56 min
